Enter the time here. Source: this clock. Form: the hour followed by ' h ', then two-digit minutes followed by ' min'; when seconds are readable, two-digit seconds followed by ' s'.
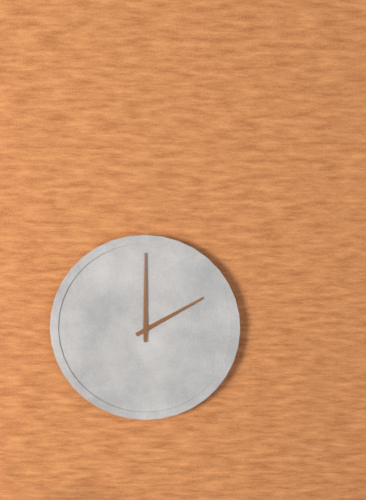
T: 2 h 00 min
